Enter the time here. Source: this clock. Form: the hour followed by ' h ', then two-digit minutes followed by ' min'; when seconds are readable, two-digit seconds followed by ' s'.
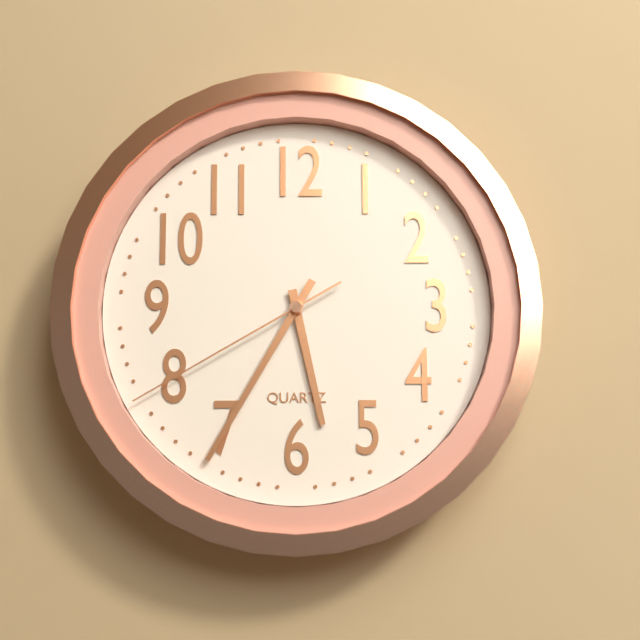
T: 5 h 35 min 40 s
